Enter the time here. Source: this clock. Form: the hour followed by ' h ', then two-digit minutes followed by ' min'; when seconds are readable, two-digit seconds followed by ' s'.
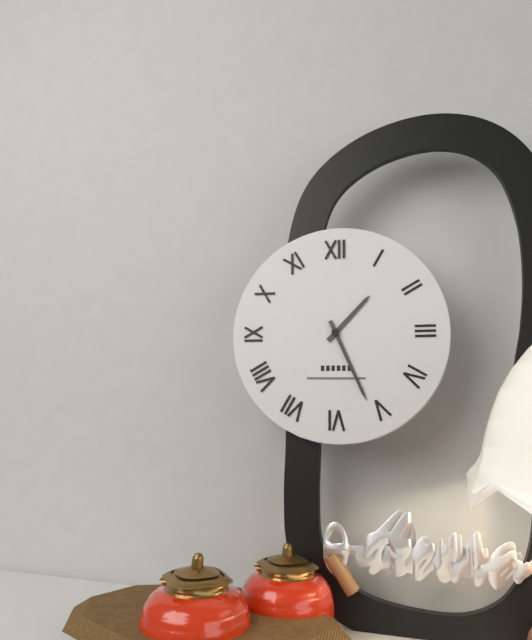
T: 1 h 26 min
